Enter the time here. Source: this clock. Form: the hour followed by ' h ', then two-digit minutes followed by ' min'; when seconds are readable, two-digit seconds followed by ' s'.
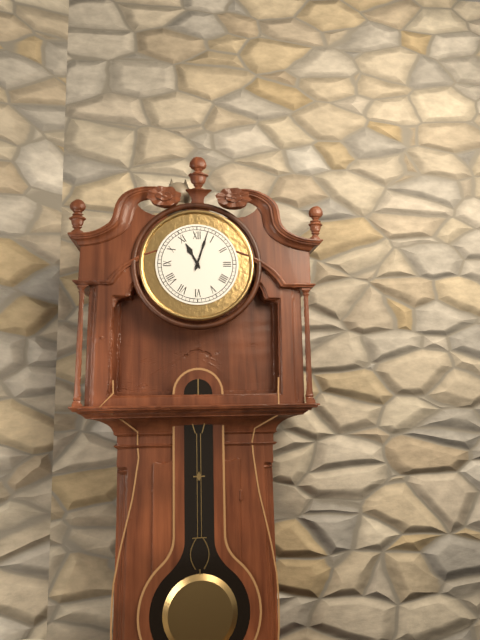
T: 11 h 03 min
